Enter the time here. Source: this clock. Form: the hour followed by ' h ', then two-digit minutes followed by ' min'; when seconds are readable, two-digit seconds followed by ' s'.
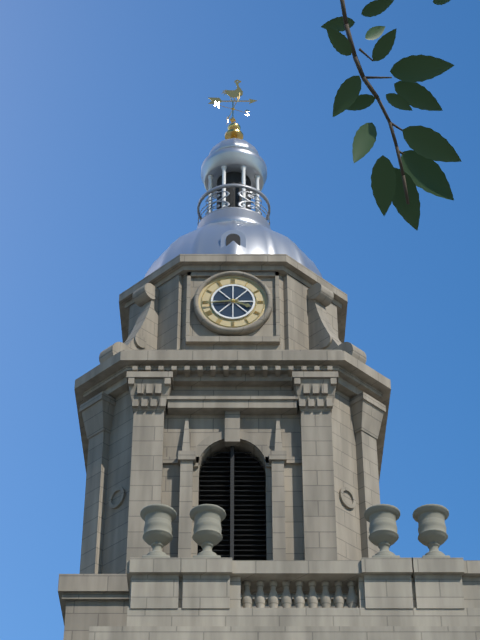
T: 3 h 44 min
